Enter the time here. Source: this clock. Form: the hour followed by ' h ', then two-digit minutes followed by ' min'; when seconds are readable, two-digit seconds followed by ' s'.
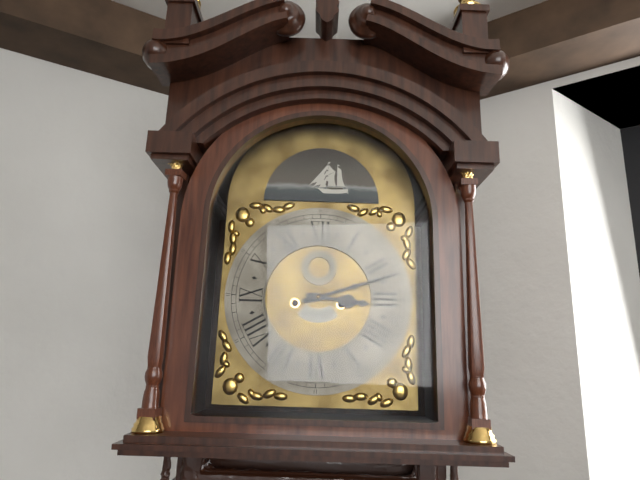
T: 3 h 12 min
